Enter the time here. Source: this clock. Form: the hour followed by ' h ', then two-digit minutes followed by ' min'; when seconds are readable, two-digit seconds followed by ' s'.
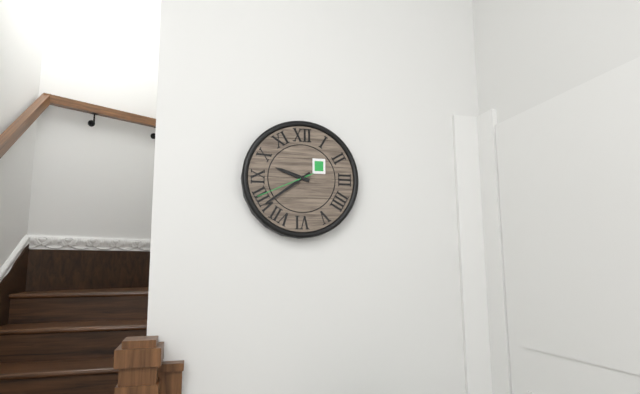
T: 9 h 39 min 41 s
